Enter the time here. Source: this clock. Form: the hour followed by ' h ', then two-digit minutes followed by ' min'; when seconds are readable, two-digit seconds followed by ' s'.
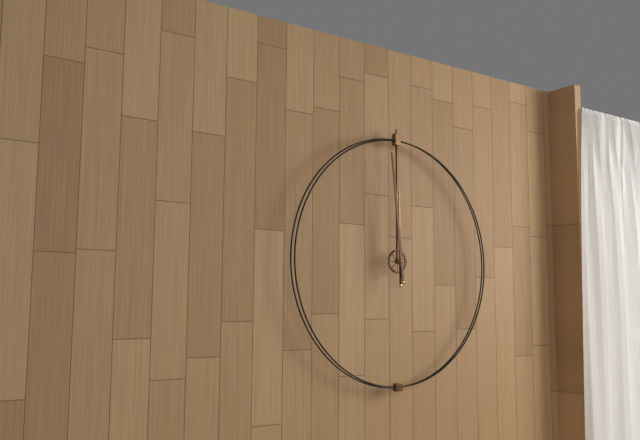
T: 11 h 59 min
